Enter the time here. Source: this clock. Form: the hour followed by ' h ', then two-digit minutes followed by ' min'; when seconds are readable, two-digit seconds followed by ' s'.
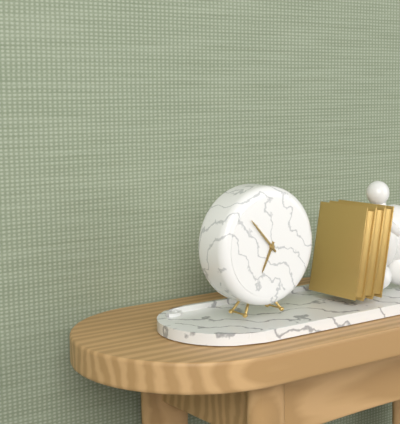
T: 6 h 53 min
